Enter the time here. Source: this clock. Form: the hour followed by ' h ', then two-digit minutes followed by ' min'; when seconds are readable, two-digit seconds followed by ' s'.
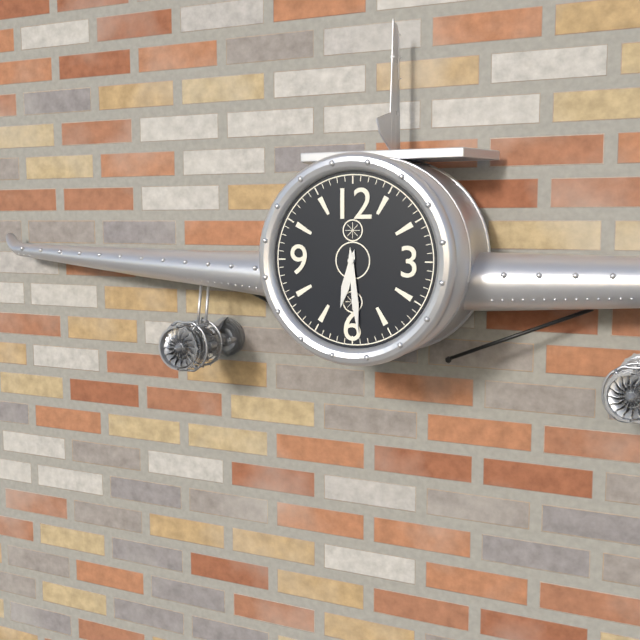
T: 6 h 29 min
